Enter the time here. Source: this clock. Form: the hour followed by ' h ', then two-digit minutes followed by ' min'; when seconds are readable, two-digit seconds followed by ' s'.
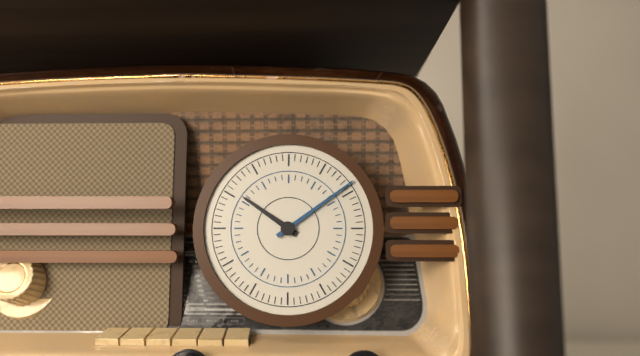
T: 10 h 09 min
